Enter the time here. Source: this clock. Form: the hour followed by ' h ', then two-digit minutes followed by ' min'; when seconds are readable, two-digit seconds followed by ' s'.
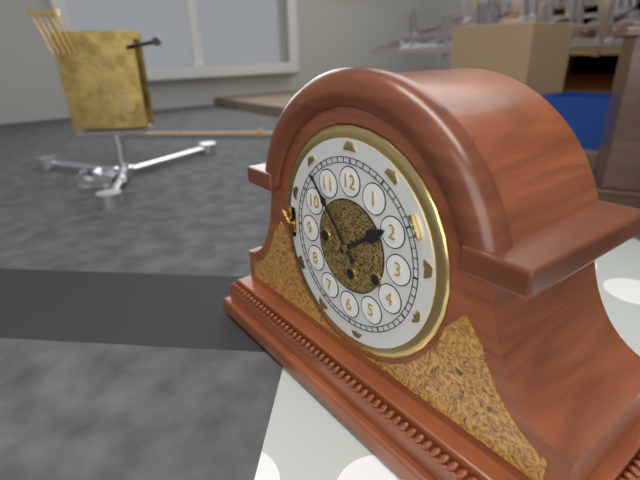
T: 1 h 53 min
